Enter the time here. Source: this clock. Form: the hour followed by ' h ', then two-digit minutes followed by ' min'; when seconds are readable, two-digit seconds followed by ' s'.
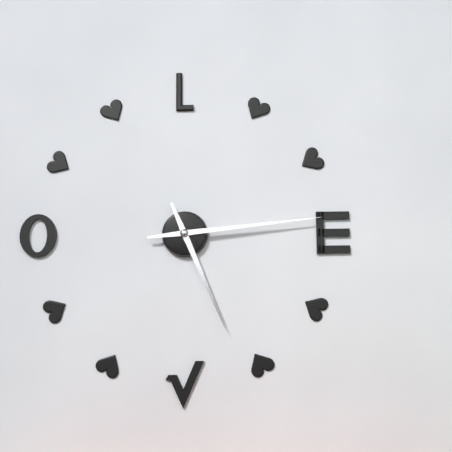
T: 5 h 14 min
